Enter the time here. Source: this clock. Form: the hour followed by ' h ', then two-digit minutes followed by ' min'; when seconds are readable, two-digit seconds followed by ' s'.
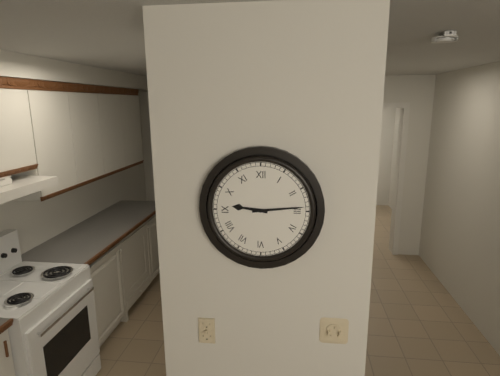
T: 9 h 14 min
